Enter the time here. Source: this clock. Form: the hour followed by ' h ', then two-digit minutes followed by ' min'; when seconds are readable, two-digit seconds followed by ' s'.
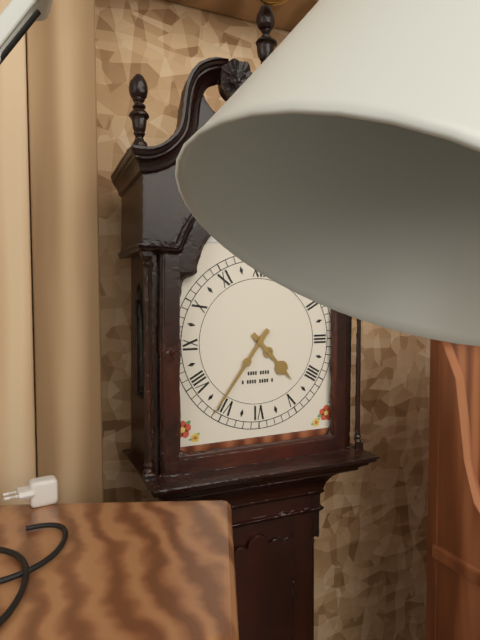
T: 4 h 36 min
